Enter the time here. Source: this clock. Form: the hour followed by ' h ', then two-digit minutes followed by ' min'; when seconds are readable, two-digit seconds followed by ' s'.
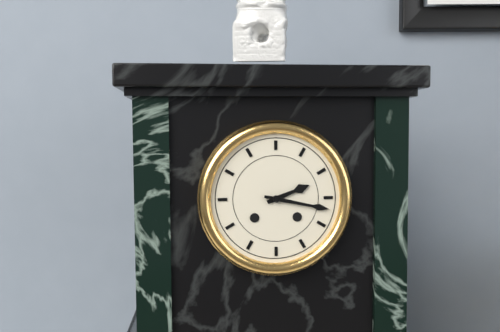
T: 2 h 17 min
